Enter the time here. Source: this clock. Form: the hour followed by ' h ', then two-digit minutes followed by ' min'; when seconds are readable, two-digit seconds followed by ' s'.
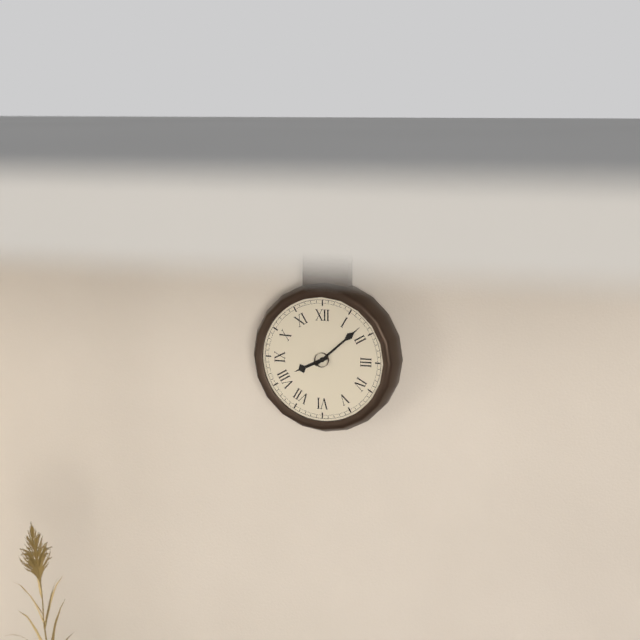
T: 8 h 08 min
